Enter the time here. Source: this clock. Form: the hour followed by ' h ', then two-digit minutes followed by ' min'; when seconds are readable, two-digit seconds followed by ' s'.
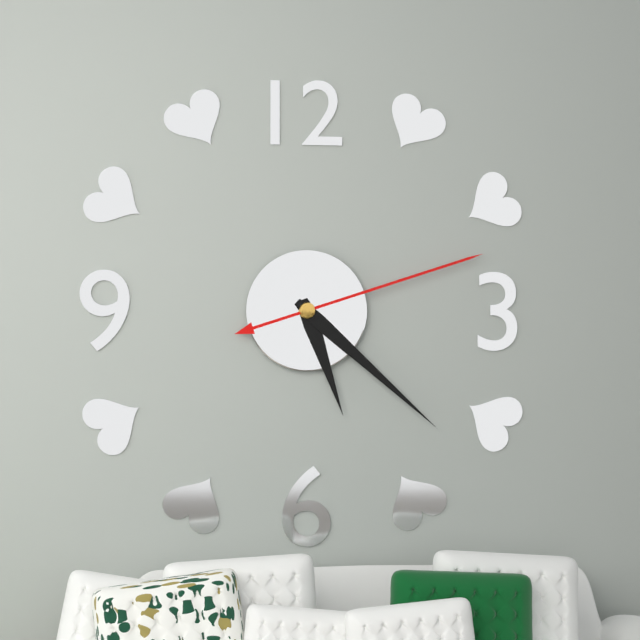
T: 5 h 22 min 12 s
